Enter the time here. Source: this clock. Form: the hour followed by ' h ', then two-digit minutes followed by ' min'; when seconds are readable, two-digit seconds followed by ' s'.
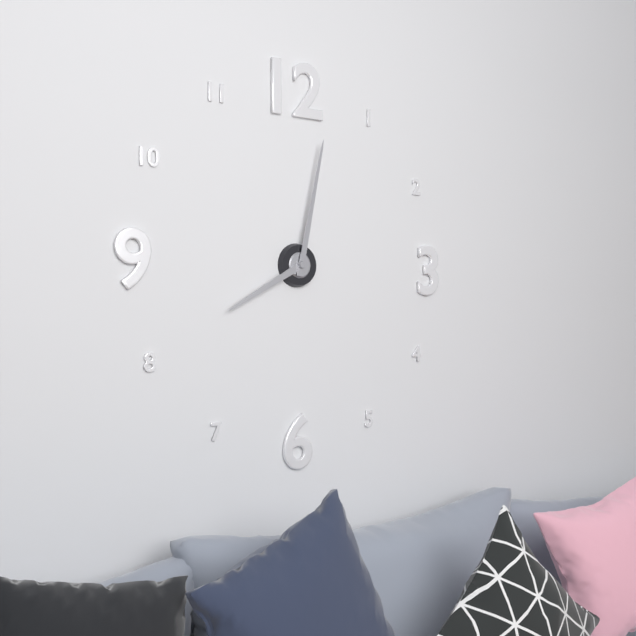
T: 8 h 02 min
